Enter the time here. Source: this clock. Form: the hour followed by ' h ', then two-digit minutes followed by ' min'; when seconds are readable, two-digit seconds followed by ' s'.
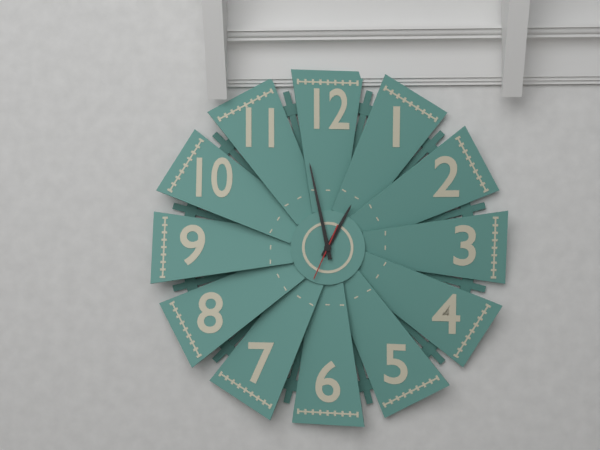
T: 12 h 58 min
